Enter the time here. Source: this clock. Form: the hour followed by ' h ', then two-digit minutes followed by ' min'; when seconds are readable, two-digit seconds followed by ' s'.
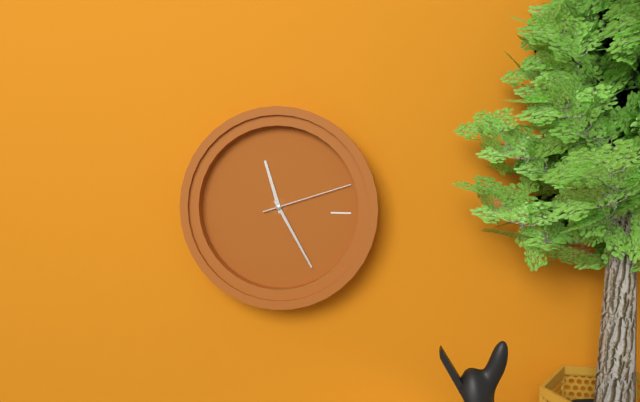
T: 11 h 25 min 12 s
